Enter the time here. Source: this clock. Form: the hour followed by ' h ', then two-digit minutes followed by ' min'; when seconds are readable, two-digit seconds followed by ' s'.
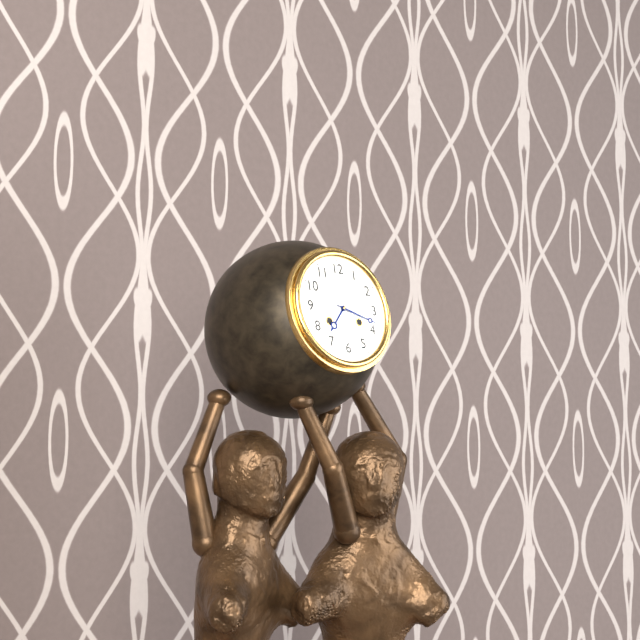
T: 7 h 18 min
